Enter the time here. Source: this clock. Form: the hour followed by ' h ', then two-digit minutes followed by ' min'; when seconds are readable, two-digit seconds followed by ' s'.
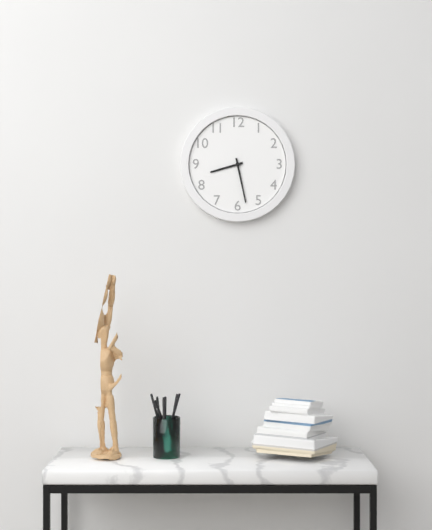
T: 8 h 28 min
